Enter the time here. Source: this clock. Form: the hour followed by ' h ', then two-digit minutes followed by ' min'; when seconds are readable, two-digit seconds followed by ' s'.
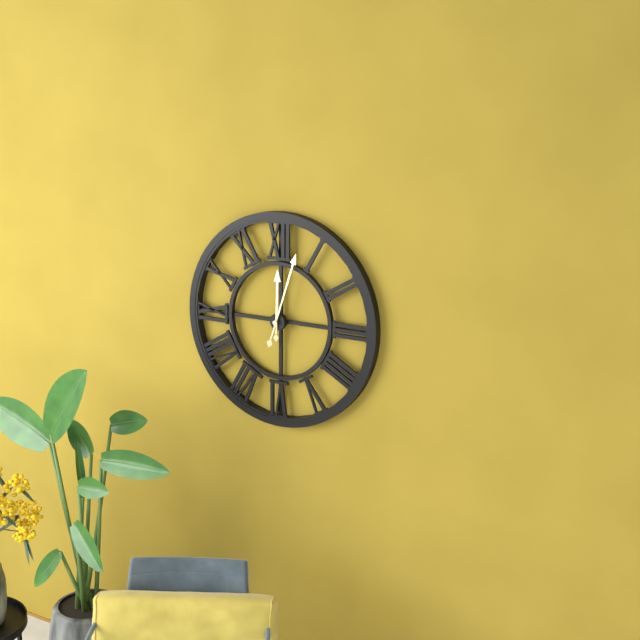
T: 12 h 03 min
